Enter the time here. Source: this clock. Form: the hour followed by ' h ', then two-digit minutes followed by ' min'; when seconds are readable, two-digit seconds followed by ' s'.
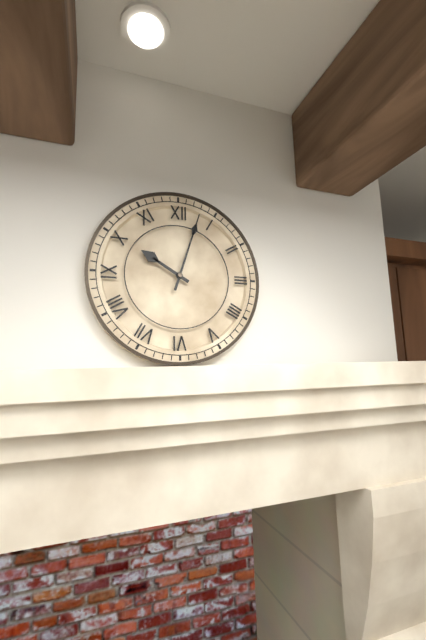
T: 10 h 03 min
